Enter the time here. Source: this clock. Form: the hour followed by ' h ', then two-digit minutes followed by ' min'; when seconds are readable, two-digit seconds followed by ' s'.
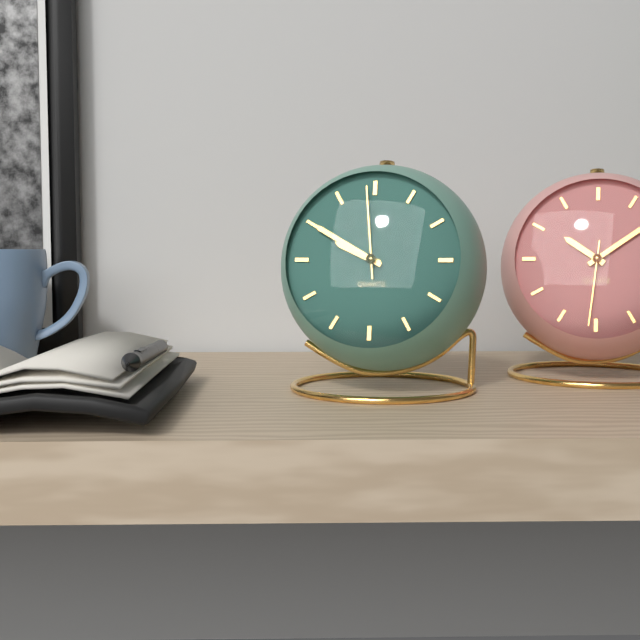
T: 9 h 50 min 59 s
